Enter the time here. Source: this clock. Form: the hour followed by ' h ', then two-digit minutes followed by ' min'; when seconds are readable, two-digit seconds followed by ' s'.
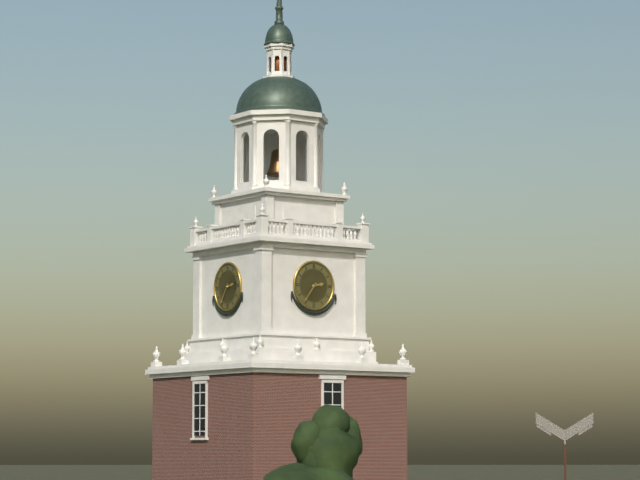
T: 2 h 36 min
